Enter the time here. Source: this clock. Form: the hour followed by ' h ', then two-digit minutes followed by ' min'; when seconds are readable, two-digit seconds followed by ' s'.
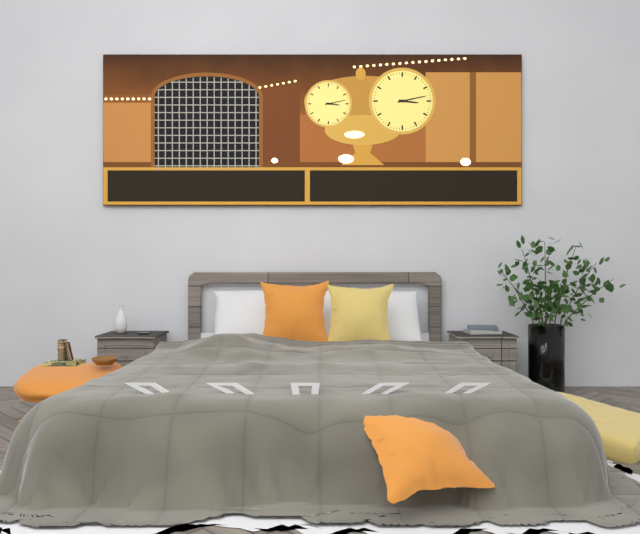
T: 3 h 13 min
